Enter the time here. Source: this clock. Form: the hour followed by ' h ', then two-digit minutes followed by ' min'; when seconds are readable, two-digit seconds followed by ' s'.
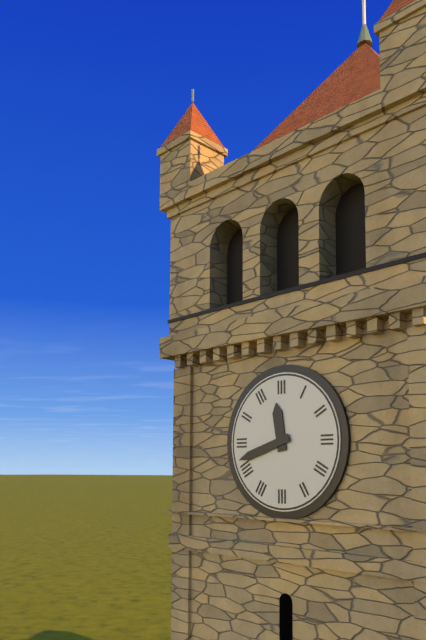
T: 11 h 42 min
